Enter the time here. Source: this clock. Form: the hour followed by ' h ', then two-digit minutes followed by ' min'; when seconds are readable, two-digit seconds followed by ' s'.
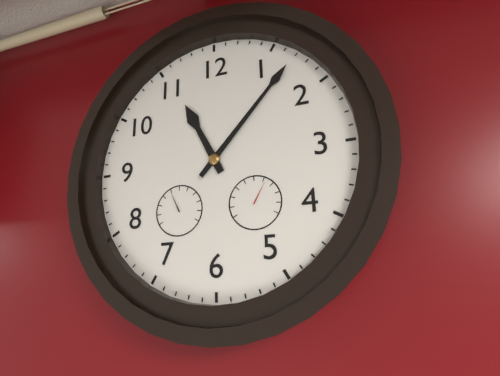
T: 11 h 07 min
